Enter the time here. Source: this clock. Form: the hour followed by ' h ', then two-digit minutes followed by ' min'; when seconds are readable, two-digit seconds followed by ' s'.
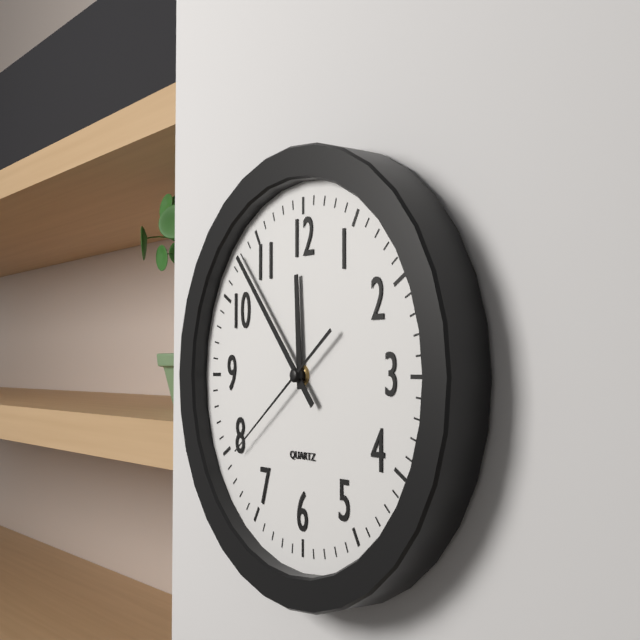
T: 11 h 53 min 39 s
